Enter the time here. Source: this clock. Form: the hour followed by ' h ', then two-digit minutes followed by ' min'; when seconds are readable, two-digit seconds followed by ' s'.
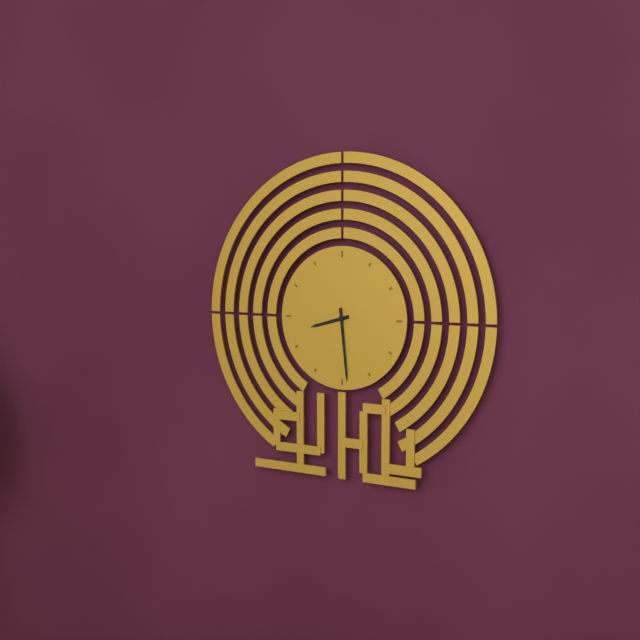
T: 8 h 29 min
